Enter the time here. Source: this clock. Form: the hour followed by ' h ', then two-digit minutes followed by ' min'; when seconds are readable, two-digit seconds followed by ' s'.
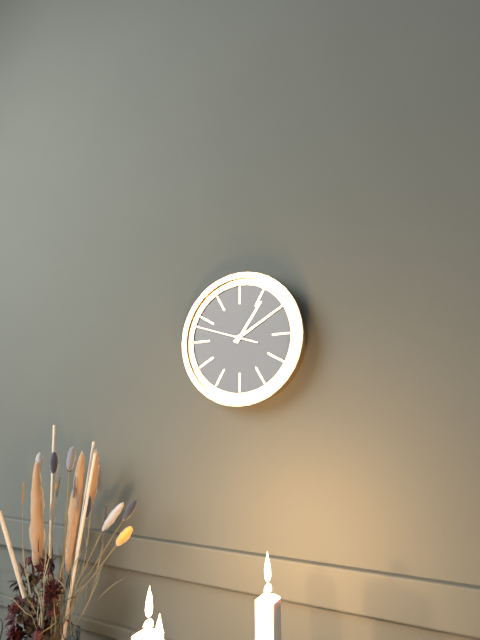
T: 1 h 10 min 48 s
